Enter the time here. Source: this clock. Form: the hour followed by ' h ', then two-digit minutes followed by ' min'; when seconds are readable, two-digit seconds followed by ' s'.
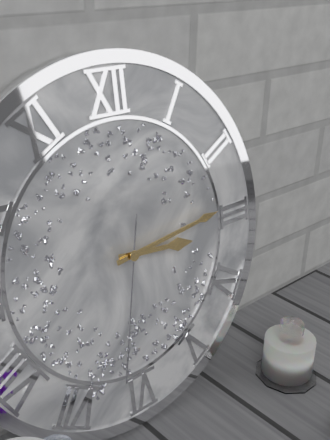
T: 3 h 14 min 32 s
